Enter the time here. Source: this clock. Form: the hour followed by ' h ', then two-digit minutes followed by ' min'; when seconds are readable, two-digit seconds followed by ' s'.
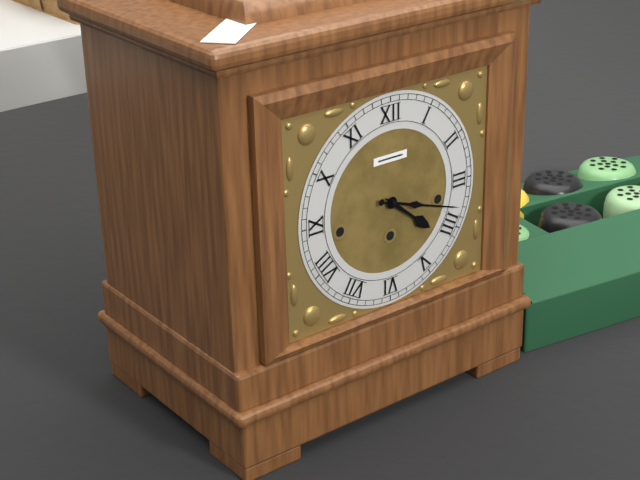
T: 4 h 18 min
